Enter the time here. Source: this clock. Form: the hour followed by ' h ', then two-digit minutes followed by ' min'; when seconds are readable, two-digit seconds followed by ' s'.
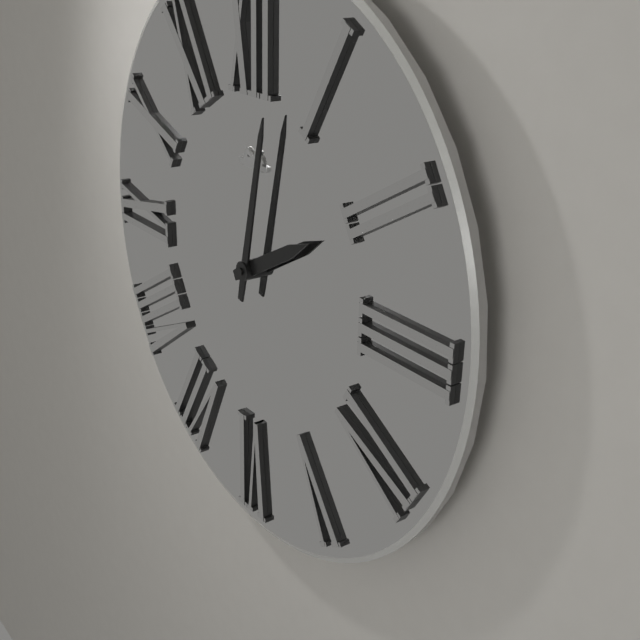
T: 2 h 02 min
